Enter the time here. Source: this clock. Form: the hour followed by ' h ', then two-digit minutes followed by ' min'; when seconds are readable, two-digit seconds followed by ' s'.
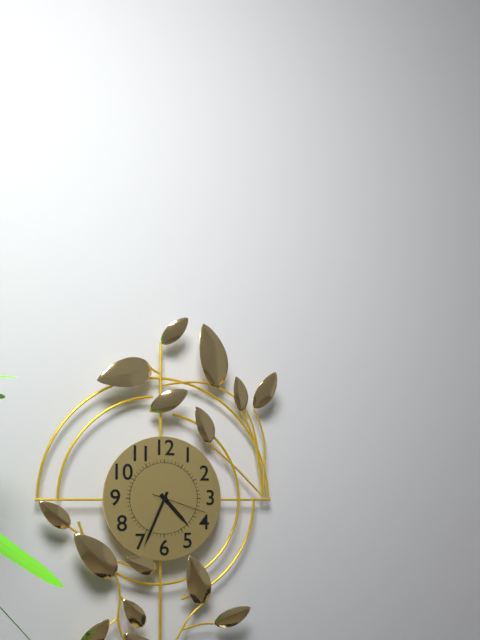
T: 4 h 34 min 18 s
